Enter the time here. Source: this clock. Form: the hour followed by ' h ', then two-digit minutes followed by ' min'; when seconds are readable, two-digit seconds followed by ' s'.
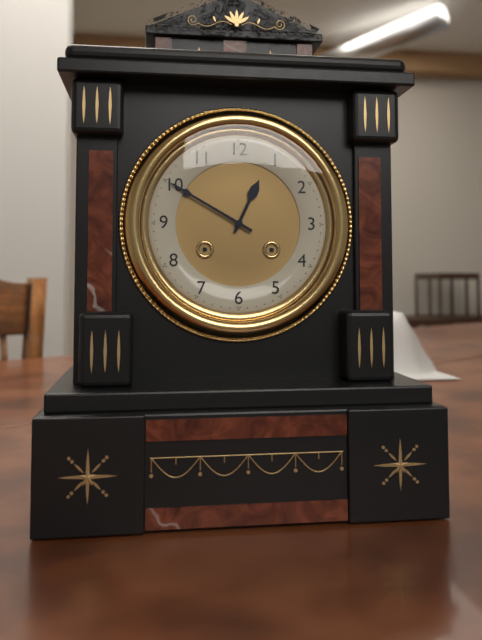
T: 12 h 50 min
